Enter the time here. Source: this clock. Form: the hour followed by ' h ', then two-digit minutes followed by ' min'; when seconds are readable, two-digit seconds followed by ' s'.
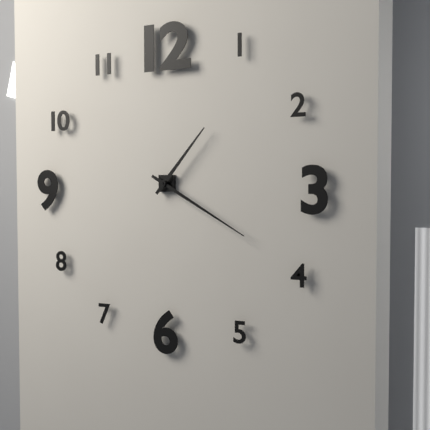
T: 1 h 20 min
